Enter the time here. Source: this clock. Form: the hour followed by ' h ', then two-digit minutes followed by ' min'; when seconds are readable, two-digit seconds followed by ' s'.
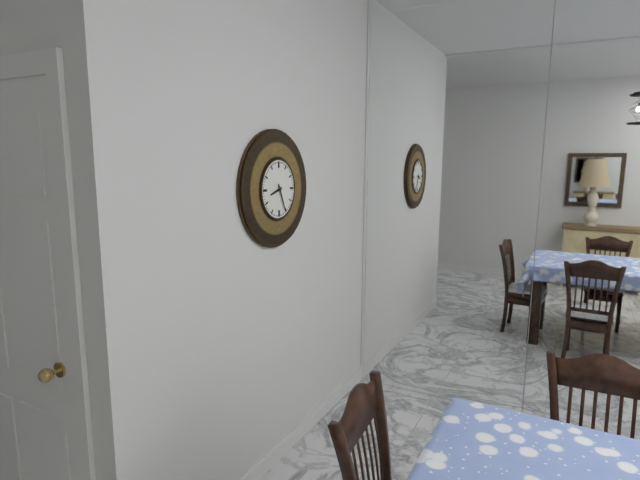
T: 8 h 26 min
